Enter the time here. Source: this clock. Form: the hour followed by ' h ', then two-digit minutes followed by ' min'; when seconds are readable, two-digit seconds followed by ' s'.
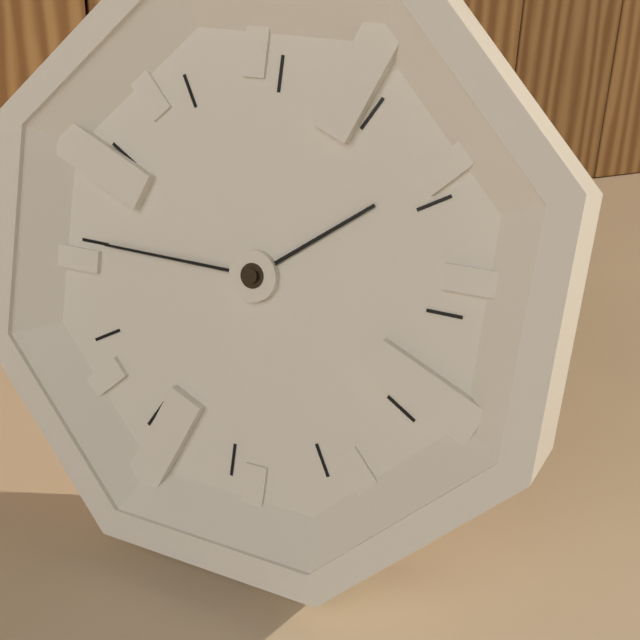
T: 1 h 45 min
